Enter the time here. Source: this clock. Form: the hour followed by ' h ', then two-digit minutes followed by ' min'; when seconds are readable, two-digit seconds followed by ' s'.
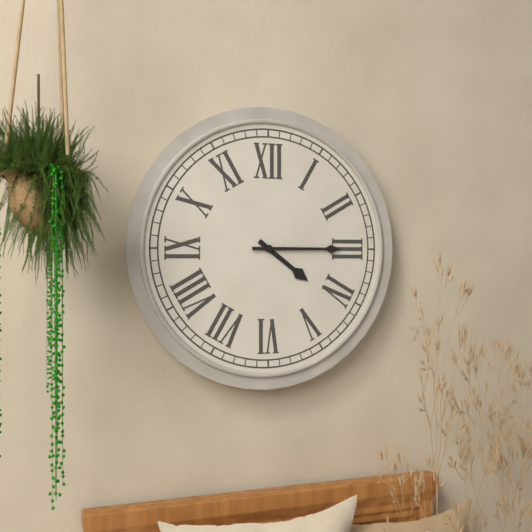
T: 4 h 15 min
